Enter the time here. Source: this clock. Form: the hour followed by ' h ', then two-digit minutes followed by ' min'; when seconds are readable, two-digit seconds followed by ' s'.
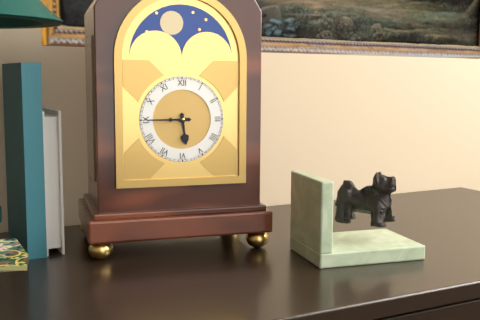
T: 5 h 45 min
